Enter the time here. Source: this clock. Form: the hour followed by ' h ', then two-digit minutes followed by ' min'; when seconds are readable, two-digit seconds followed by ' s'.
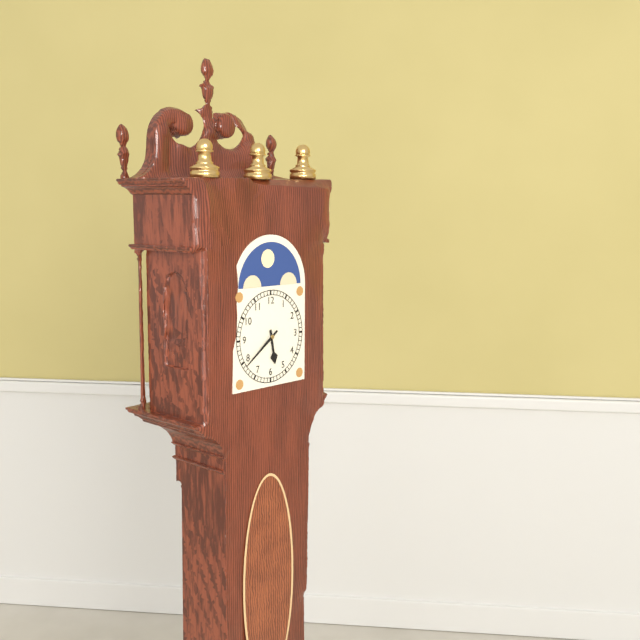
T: 5 h 39 min
